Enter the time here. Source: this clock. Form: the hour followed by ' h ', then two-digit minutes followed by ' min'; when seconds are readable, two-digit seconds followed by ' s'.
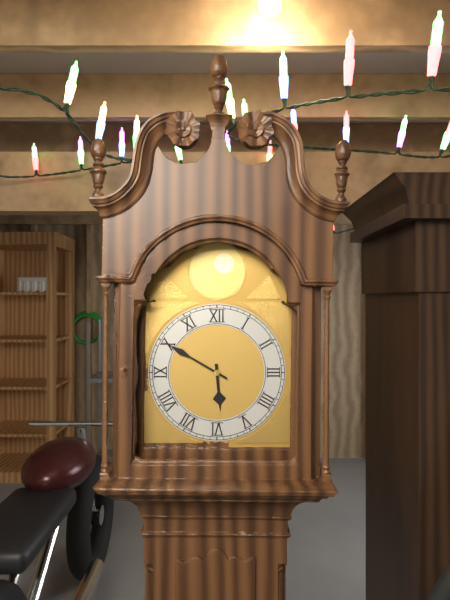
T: 5 h 50 min
